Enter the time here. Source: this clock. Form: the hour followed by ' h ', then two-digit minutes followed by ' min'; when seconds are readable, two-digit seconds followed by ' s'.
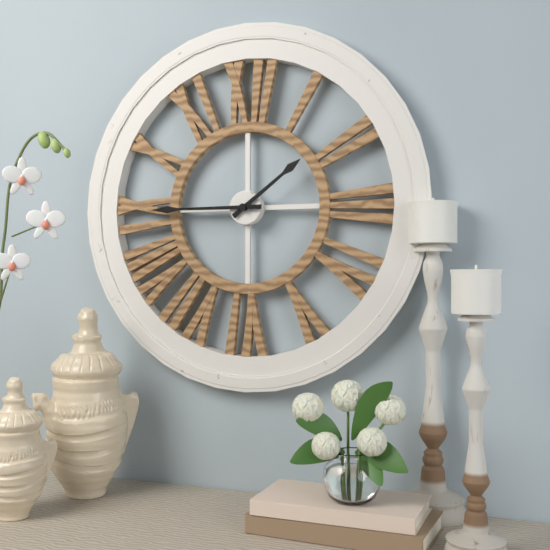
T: 1 h 45 min
